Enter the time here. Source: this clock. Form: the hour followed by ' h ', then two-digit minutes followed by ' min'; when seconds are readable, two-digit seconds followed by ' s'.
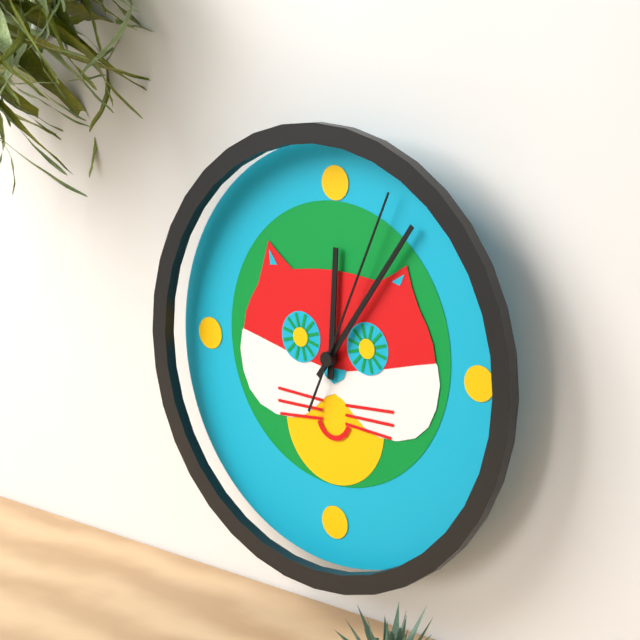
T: 12 h 06 min 04 s
